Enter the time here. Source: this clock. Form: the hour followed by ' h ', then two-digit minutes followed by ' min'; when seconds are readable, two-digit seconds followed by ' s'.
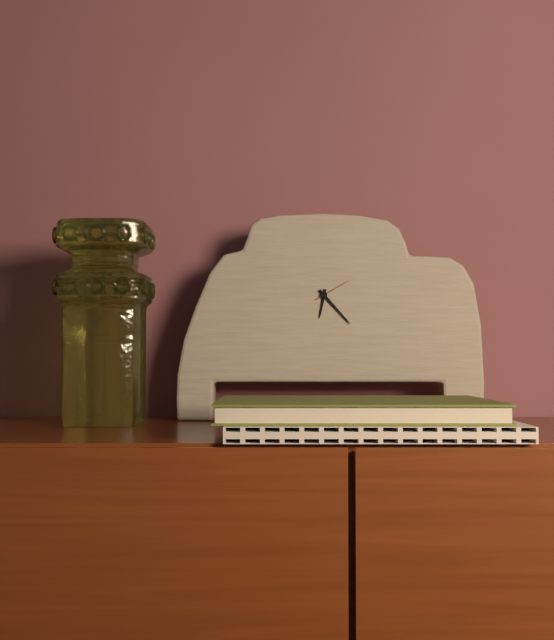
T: 6 h 23 min
